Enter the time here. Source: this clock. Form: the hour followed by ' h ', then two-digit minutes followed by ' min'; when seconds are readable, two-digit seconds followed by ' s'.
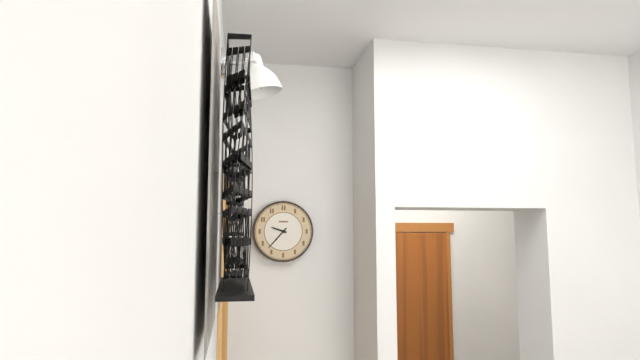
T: 9 h 37 min
